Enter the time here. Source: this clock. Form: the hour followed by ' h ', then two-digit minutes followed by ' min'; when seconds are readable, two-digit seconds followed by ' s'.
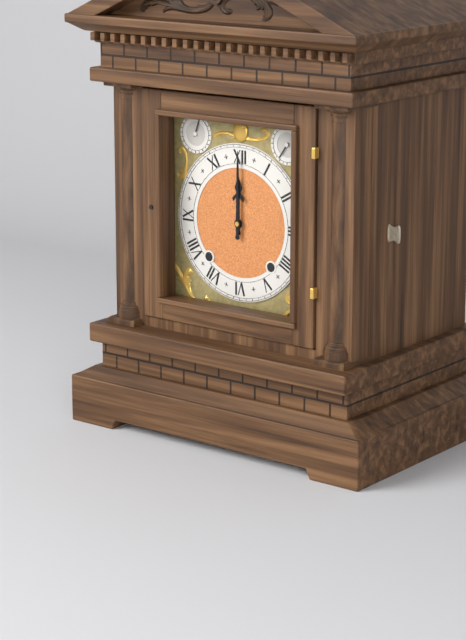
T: 12 h 00 min
